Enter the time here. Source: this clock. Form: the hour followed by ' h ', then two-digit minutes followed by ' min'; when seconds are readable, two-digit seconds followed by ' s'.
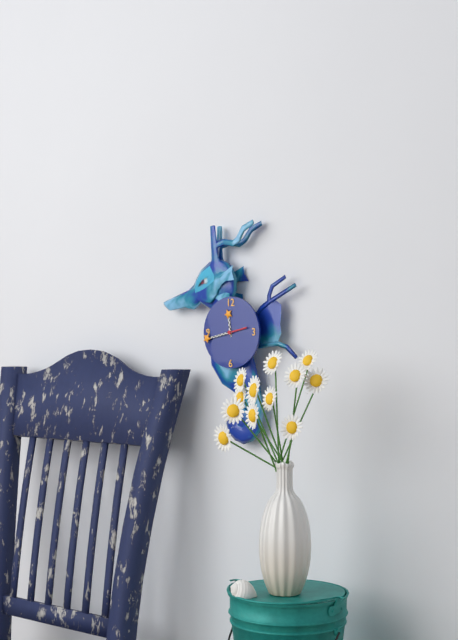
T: 11 h 43 min
